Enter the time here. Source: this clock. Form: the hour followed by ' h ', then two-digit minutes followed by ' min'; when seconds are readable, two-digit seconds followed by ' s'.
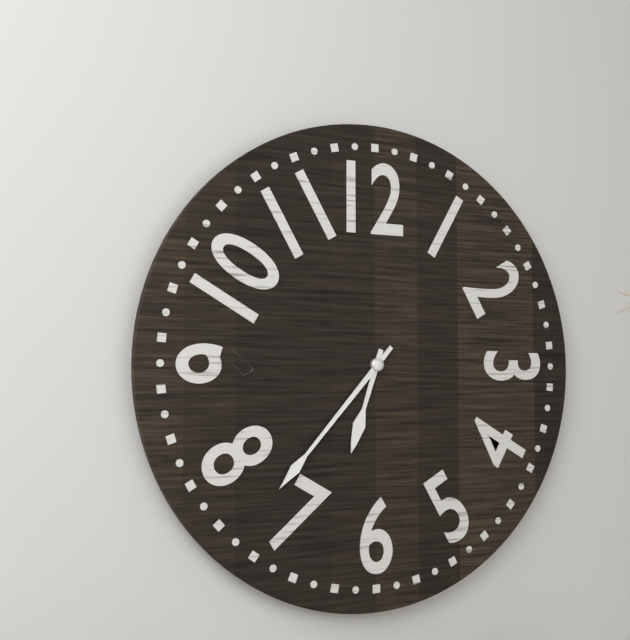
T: 6 h 37 min
